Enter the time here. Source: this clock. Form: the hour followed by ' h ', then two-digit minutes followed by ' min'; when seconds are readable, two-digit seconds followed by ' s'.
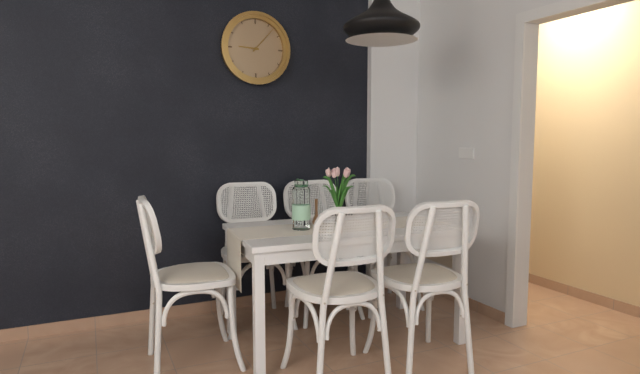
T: 9 h 07 min
